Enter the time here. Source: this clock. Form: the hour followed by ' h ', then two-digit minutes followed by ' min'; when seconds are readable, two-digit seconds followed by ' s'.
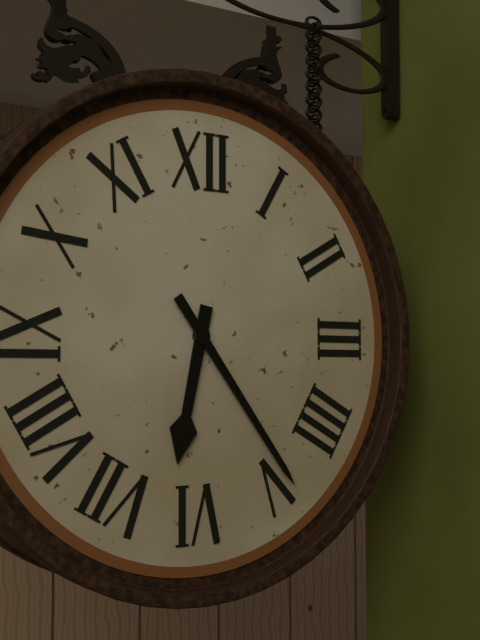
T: 6 h 24 min
